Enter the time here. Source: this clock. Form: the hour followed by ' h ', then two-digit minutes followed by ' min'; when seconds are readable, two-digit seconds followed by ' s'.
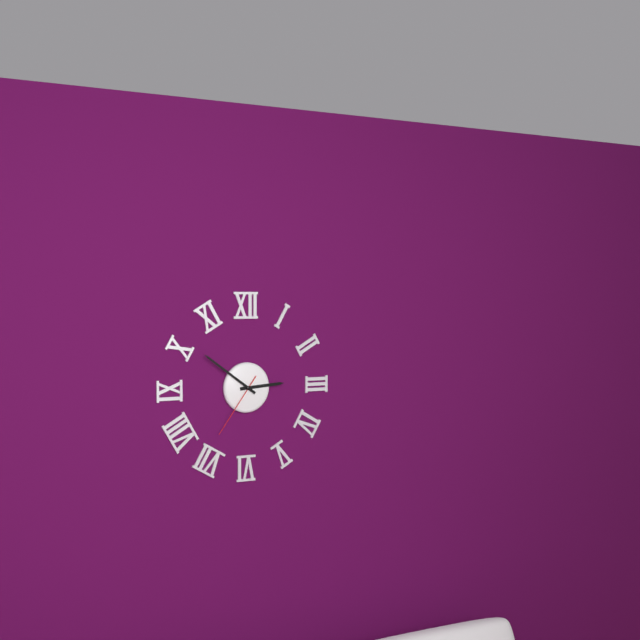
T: 2 h 51 min 36 s
